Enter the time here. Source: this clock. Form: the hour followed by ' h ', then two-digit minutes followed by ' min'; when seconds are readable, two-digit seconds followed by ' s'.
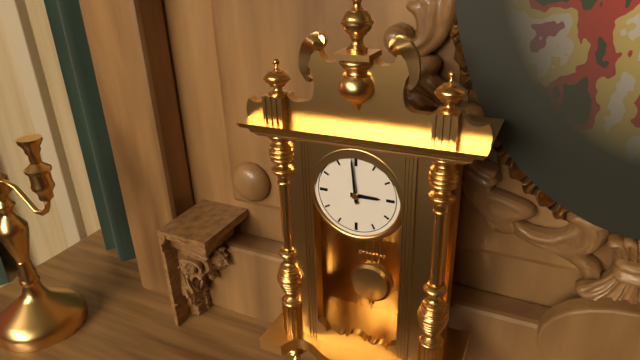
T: 2 h 59 min
